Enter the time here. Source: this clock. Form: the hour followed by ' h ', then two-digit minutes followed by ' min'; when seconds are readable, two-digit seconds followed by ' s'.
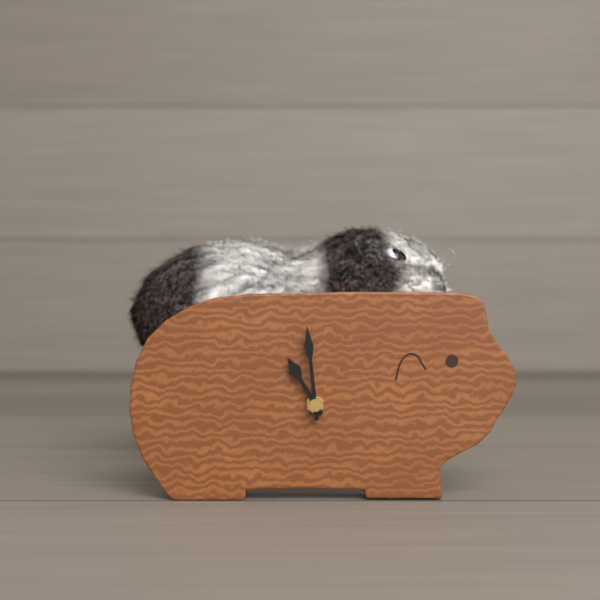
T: 10 h 59 min
